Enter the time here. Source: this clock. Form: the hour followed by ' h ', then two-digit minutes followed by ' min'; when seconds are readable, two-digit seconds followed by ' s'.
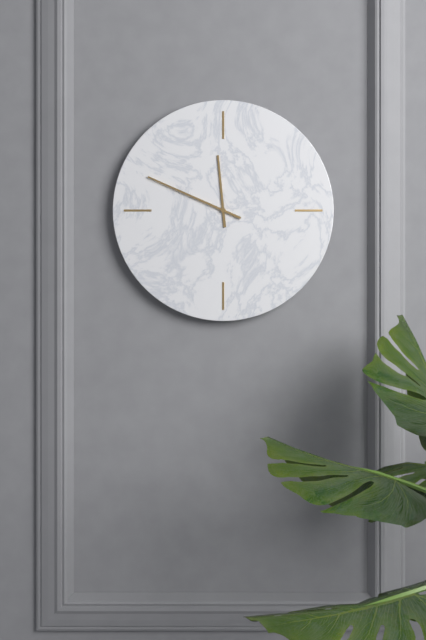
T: 11 h 49 min
